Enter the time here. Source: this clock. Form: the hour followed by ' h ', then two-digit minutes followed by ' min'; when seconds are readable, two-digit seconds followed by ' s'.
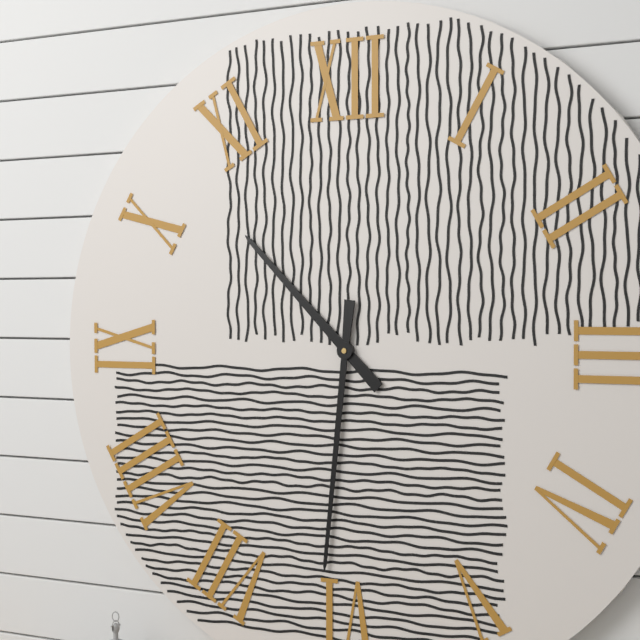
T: 10 h 31 min
